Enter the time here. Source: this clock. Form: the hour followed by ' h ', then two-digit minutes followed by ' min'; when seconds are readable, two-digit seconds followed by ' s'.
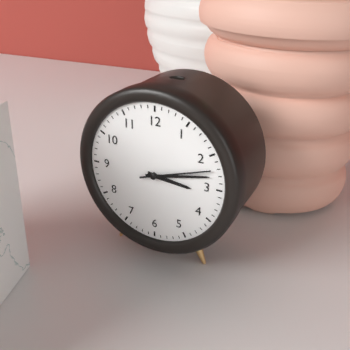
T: 3 h 13 min 12 s
